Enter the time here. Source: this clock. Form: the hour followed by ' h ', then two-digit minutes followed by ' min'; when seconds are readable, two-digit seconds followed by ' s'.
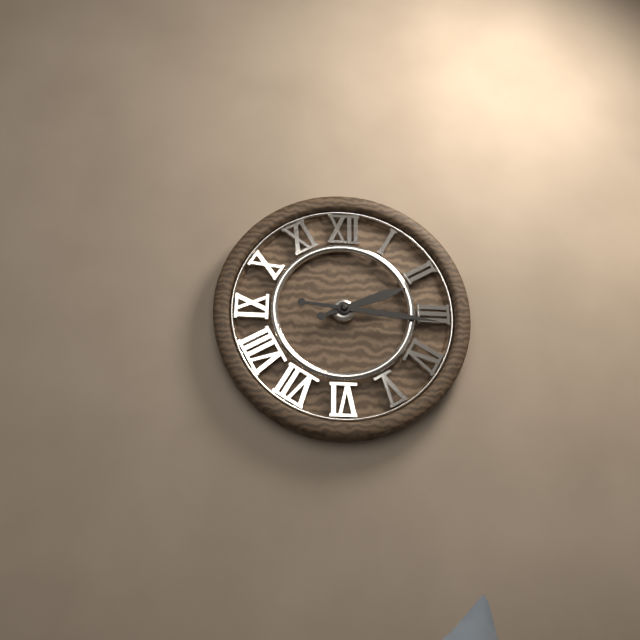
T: 2 h 16 min
